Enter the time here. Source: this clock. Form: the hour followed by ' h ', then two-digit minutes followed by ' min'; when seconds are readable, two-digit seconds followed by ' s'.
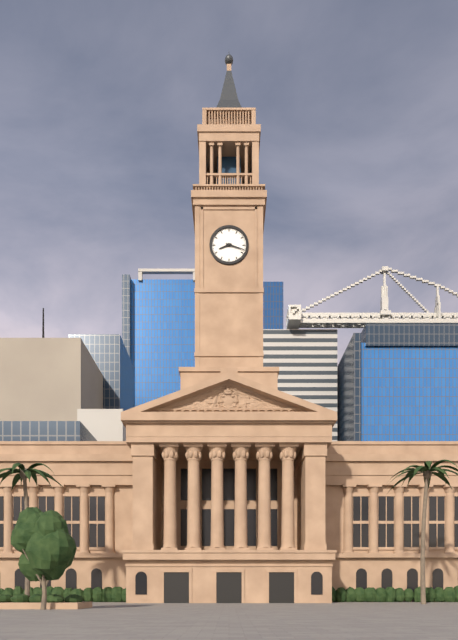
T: 8 h 18 min
